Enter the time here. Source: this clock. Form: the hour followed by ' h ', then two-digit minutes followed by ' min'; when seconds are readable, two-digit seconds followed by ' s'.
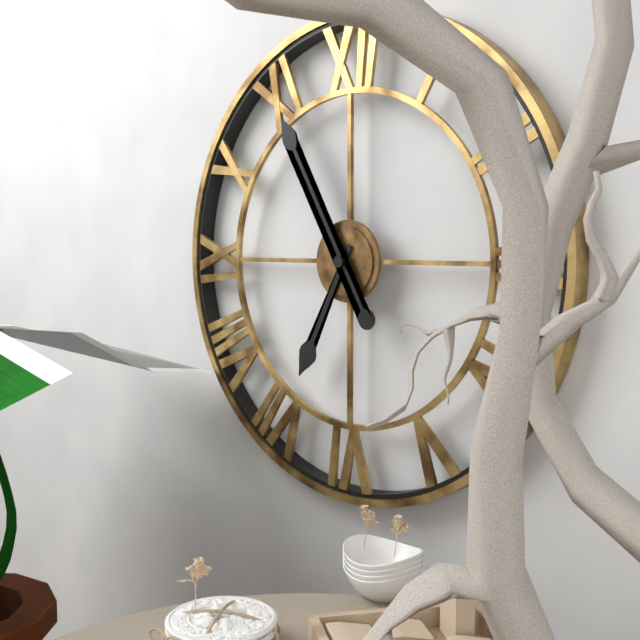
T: 6 h 55 min
